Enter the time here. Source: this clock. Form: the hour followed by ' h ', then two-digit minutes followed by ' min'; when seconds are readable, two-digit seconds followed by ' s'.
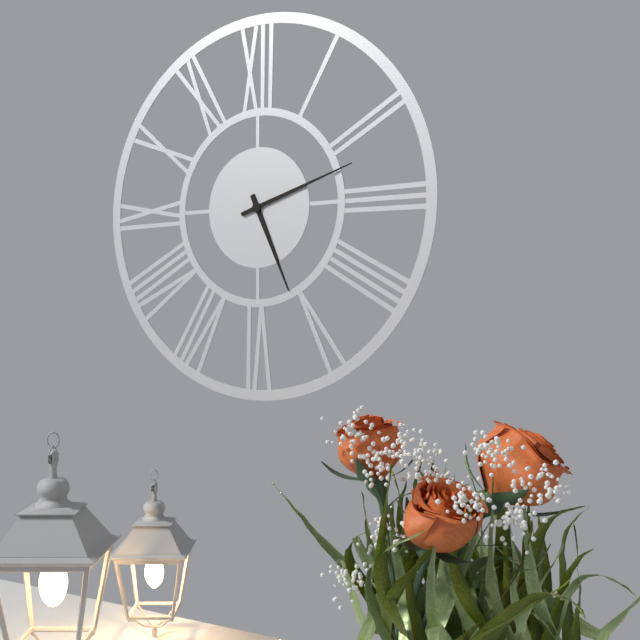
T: 5 h 12 min
